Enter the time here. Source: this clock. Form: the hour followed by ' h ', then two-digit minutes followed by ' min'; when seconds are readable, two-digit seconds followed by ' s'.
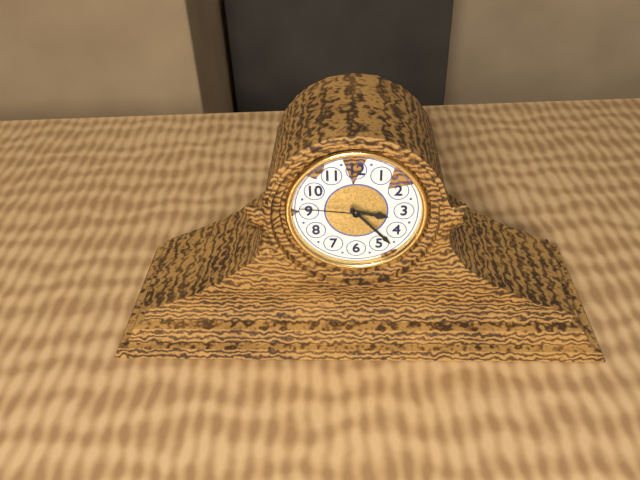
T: 3 h 23 min 46 s
